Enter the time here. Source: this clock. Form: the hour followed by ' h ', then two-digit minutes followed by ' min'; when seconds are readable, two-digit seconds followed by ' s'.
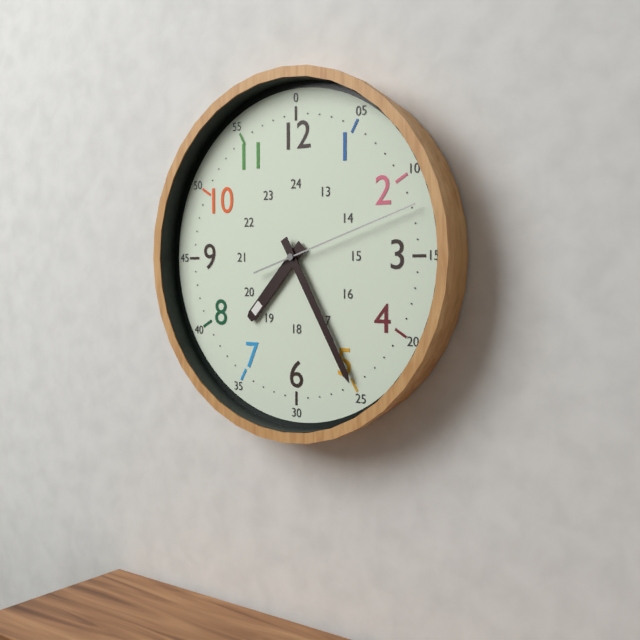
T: 7 h 25 min 12 s
